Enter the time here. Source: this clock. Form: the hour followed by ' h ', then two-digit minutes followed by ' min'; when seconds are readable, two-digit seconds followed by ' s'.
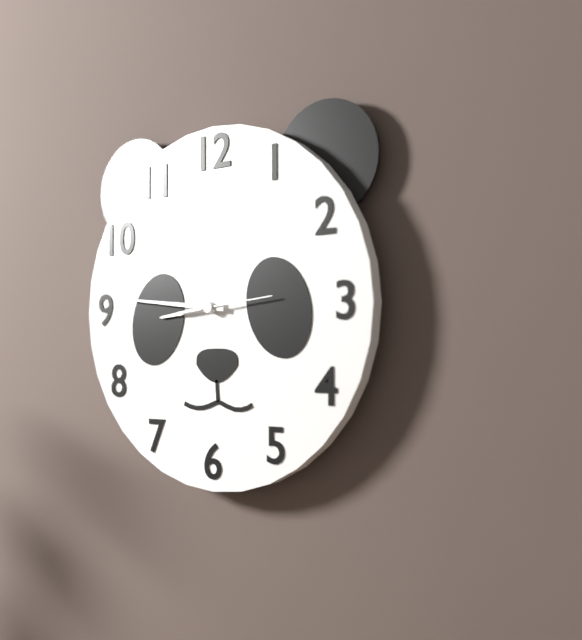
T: 8 h 46 min 14 s
